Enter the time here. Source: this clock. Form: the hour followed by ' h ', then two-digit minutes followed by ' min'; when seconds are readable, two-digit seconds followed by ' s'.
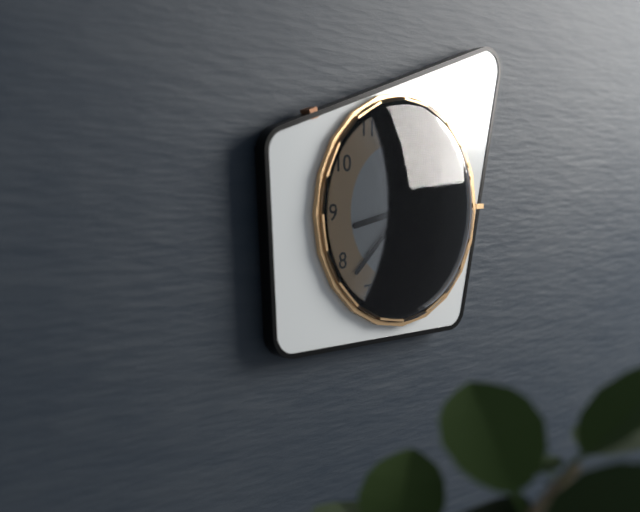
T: 8 h 38 min
